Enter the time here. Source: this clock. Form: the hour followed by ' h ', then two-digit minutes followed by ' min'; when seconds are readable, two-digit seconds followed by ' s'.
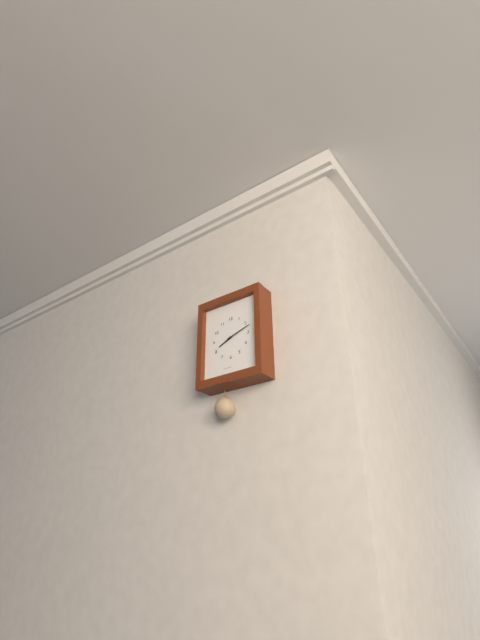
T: 8 h 12 min
